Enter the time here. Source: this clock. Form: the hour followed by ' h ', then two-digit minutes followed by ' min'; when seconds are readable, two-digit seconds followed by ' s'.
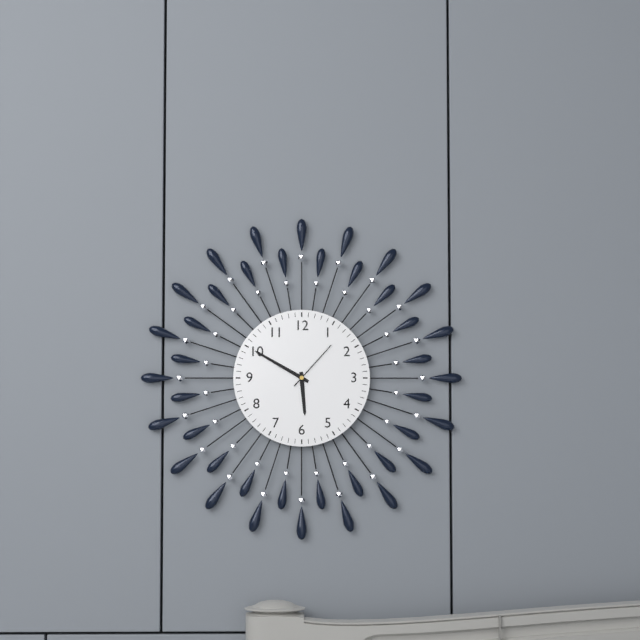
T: 5 h 50 min 07 s
